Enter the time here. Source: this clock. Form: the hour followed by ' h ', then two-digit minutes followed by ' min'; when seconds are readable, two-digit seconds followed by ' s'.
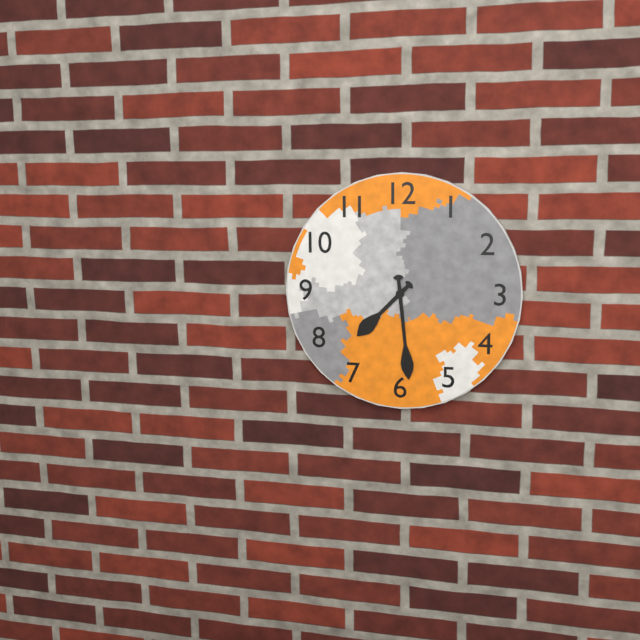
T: 7 h 29 min
